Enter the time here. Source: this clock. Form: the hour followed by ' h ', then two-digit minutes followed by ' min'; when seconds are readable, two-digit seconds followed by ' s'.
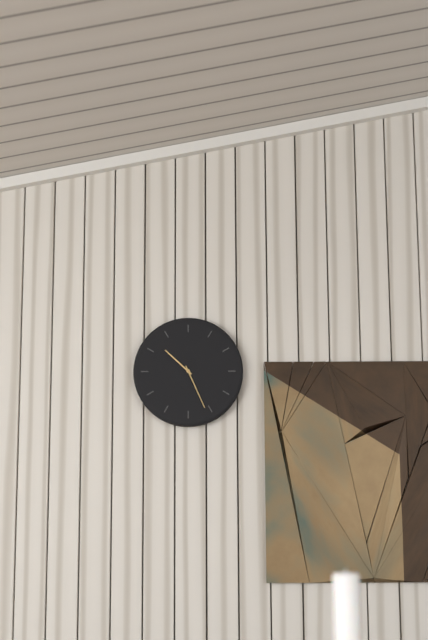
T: 10 h 26 min
